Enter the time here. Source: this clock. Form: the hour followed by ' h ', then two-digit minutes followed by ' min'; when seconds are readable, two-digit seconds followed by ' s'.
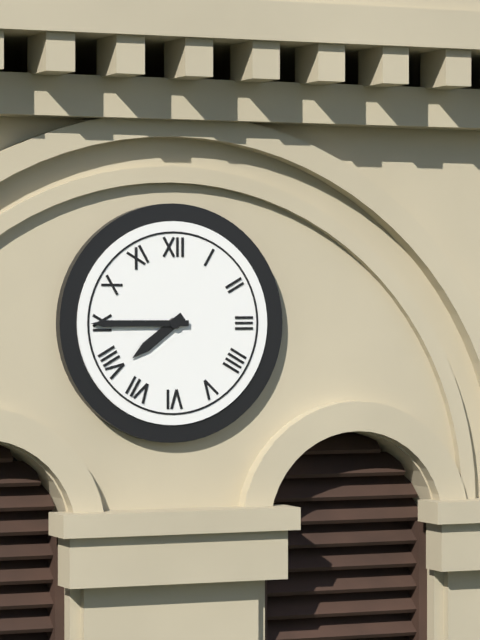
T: 7 h 45 min
